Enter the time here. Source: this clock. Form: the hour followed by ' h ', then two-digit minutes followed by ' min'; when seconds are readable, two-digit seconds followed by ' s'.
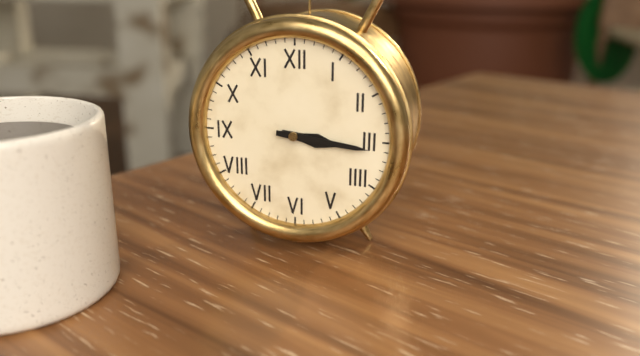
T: 3 h 16 min
